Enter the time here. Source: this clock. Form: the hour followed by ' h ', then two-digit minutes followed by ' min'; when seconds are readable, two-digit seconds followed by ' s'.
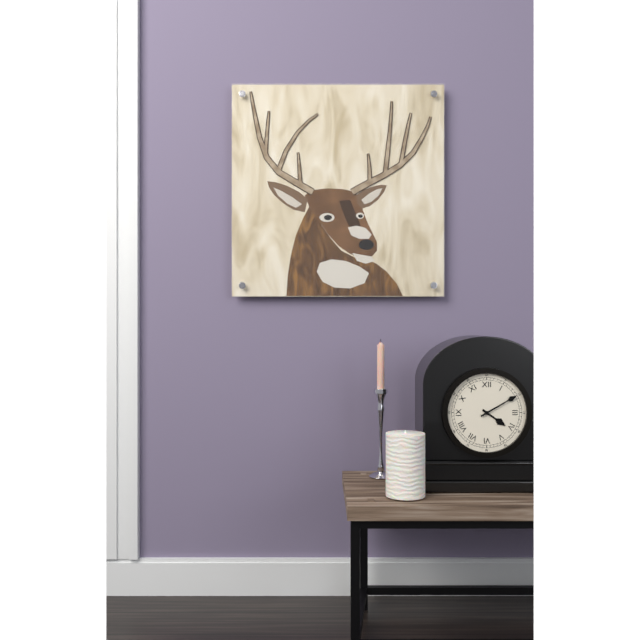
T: 4 h 10 min
